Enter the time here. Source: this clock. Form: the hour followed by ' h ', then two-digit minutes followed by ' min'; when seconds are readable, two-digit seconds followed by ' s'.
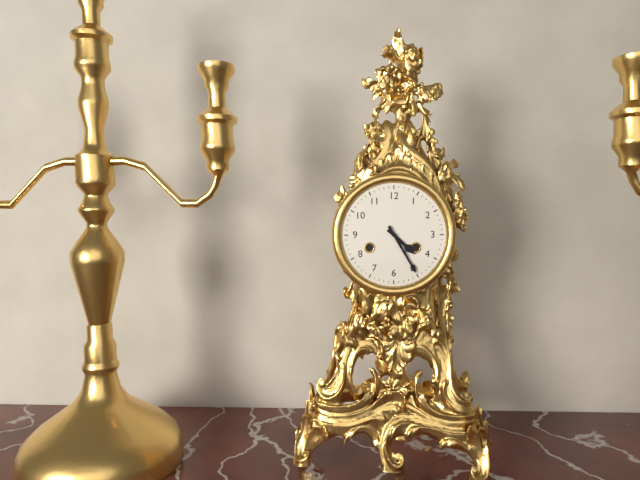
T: 4 h 25 min
